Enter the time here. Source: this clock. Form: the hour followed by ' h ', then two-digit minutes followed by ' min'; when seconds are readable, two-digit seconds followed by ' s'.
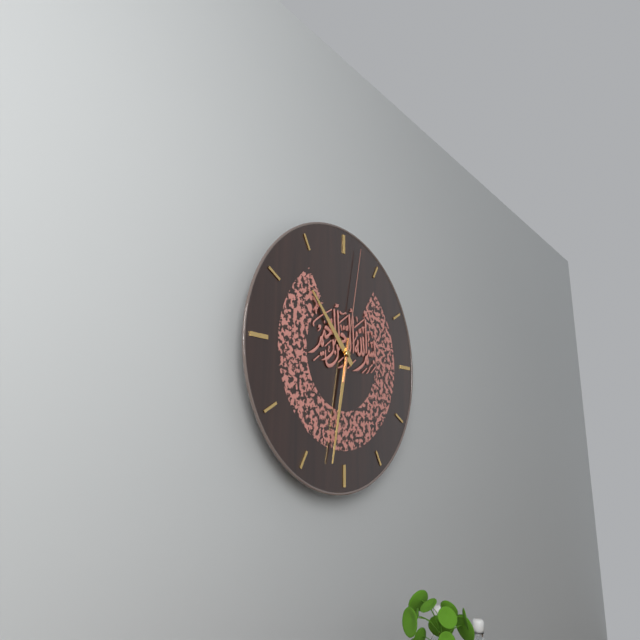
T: 10 h 32 min 02 s
